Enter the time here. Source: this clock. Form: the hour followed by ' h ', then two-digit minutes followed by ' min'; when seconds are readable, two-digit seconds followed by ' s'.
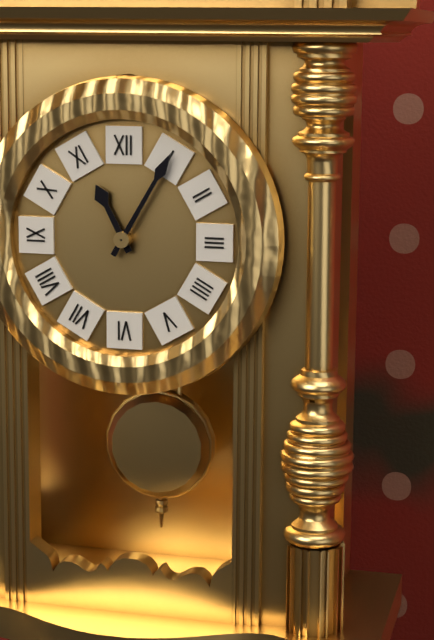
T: 11 h 05 min
